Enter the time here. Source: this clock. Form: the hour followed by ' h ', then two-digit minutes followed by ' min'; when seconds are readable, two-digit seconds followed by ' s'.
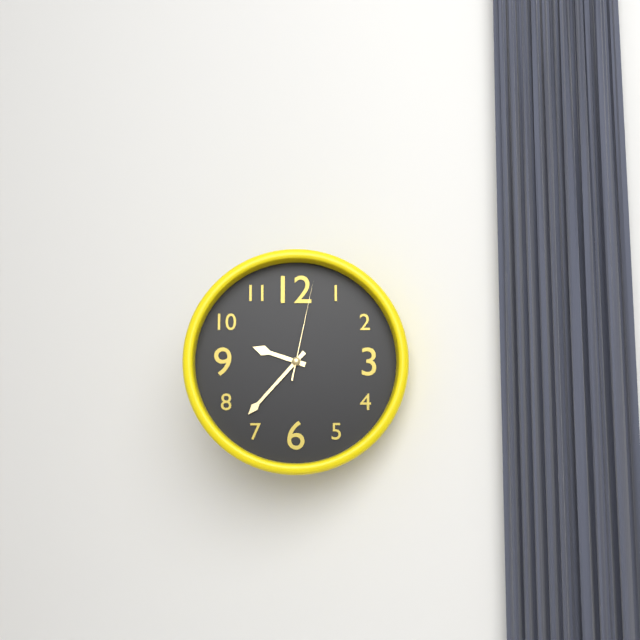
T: 9 h 37 min 02 s
